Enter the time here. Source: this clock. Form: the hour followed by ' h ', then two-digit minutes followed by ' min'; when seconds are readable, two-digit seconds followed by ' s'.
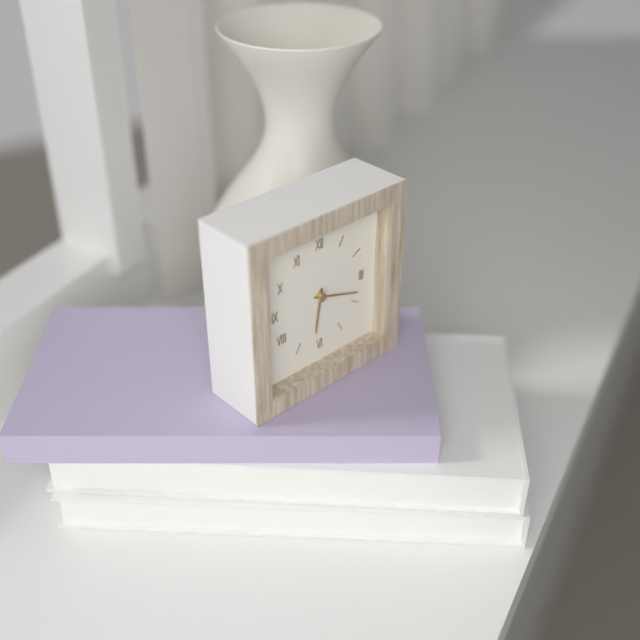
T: 6 h 18 min
